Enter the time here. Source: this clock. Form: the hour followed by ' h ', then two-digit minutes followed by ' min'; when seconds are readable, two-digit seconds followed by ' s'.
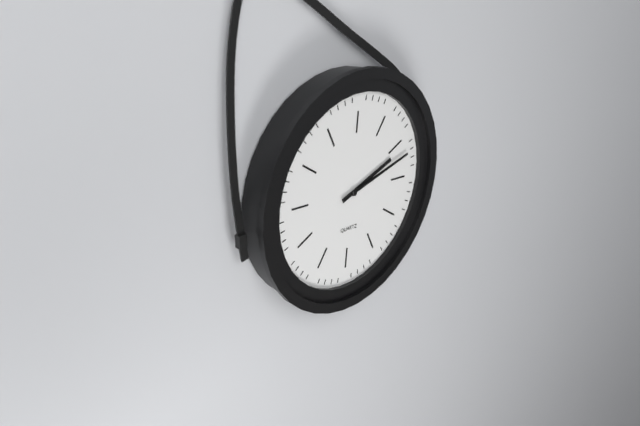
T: 2 h 12 min
